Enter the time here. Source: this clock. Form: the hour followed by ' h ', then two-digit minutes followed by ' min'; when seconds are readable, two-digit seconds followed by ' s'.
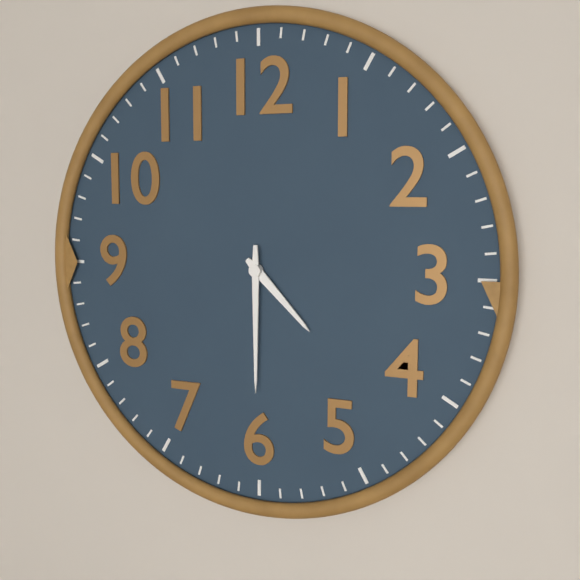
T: 4 h 30 min
